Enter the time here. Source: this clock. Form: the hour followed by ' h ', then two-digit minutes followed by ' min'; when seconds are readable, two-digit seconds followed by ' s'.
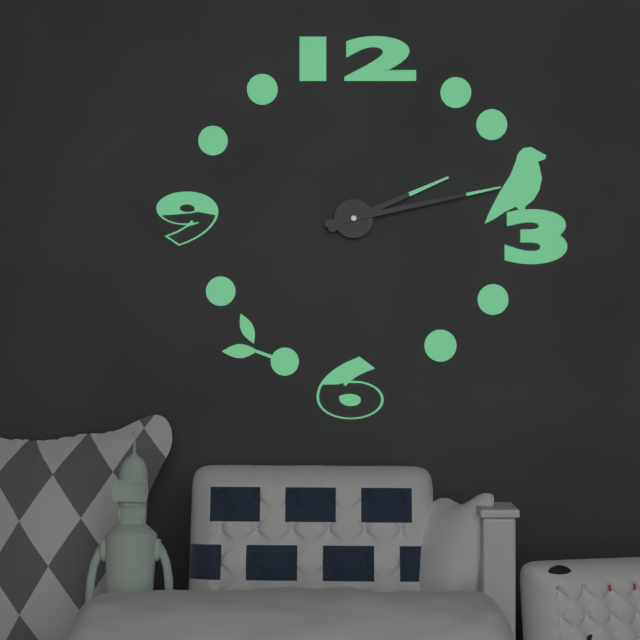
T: 2 h 13 min
